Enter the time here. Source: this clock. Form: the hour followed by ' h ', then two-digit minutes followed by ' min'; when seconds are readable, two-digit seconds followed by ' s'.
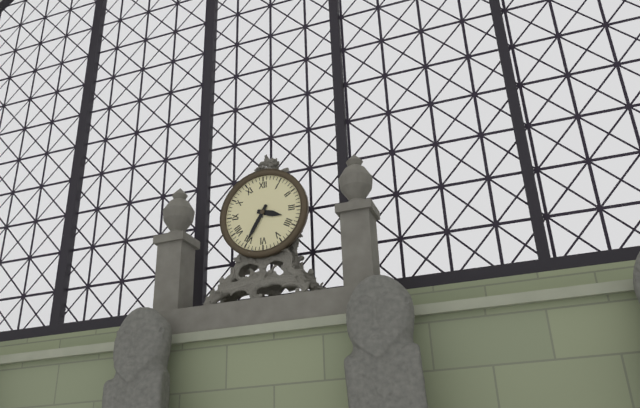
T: 3 h 35 min
